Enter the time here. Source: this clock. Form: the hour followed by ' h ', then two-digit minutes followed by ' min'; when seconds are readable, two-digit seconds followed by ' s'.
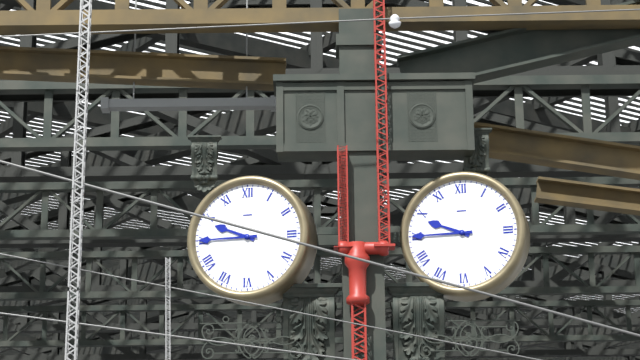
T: 9 h 45 min
